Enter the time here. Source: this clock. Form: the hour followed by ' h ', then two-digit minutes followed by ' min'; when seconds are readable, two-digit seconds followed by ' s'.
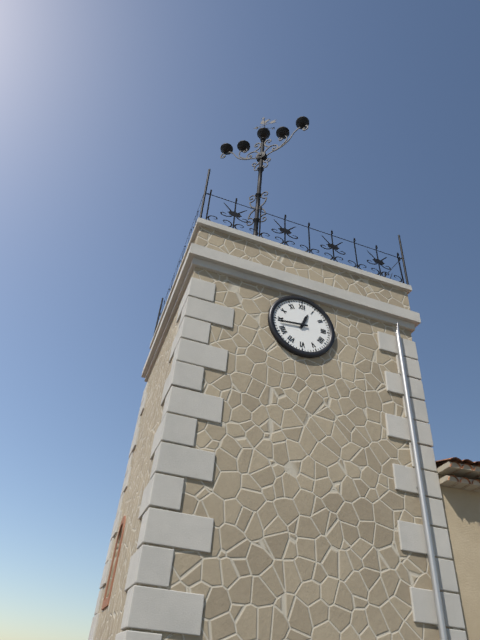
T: 12 h 44 min
